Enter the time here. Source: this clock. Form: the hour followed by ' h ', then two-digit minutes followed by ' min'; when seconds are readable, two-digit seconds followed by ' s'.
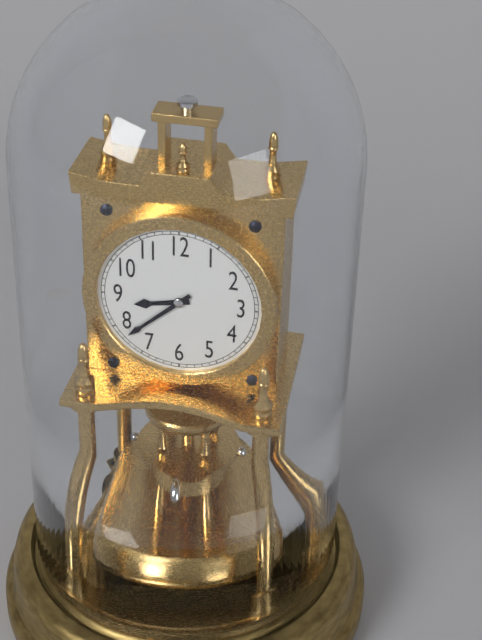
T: 8 h 38 min
